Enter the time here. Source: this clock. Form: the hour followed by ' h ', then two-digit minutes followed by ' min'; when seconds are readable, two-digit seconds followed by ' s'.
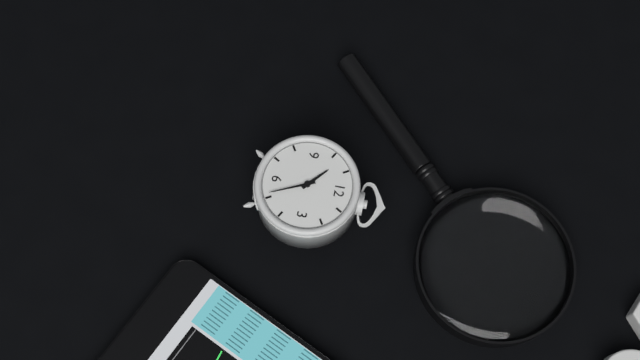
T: 10 h 26 min
